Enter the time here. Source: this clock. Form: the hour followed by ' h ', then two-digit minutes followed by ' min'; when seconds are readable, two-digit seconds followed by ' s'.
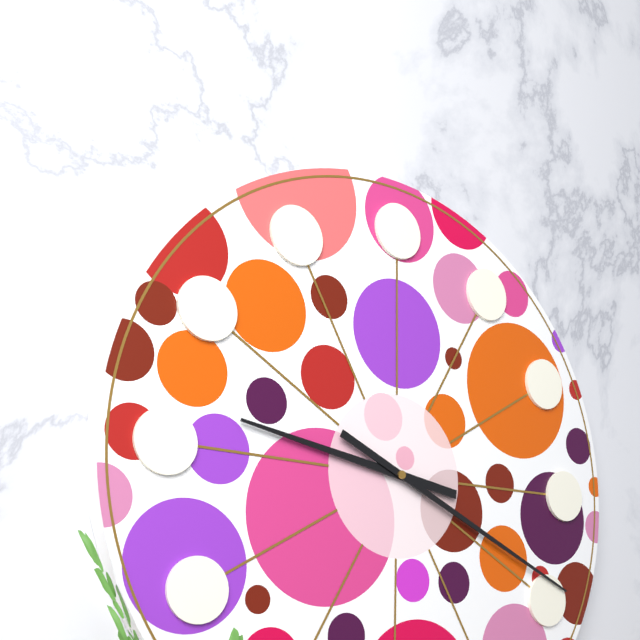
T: 9 h 19 min
